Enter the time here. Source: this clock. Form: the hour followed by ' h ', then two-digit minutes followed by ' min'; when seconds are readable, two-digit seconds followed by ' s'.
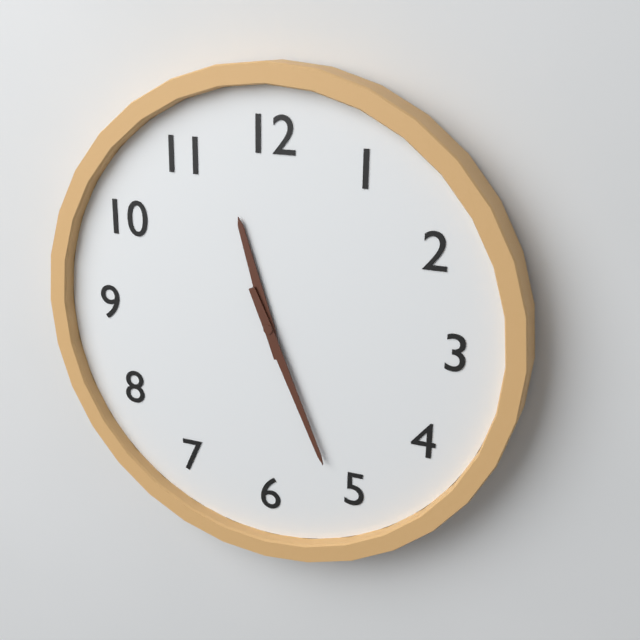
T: 11 h 26 min
